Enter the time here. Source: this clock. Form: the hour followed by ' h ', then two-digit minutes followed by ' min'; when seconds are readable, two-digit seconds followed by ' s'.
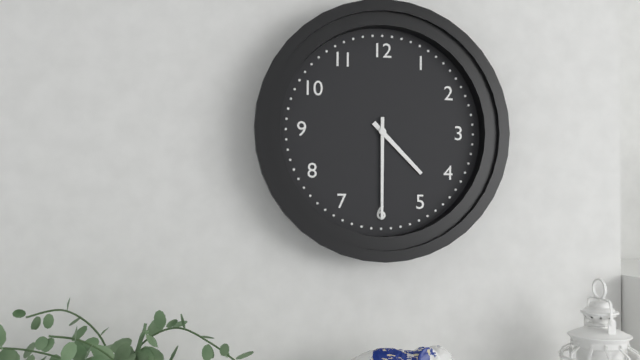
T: 4 h 30 min
